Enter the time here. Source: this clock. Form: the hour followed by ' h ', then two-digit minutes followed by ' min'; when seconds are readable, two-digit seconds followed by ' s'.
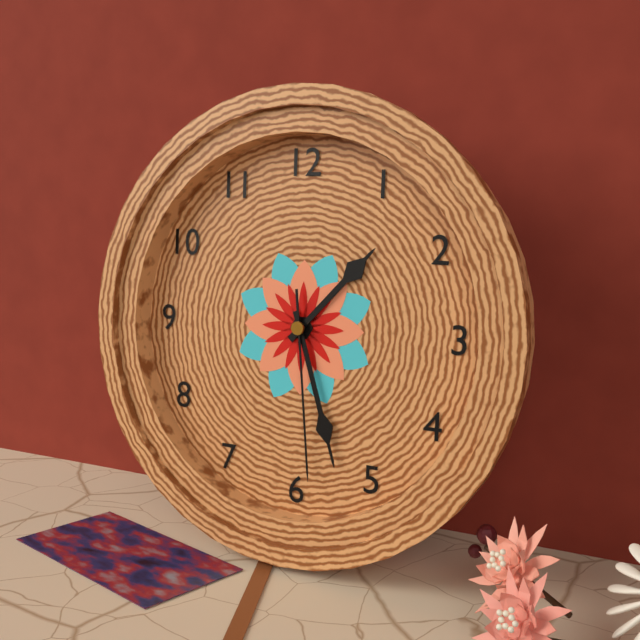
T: 1 h 27 min 29 s
